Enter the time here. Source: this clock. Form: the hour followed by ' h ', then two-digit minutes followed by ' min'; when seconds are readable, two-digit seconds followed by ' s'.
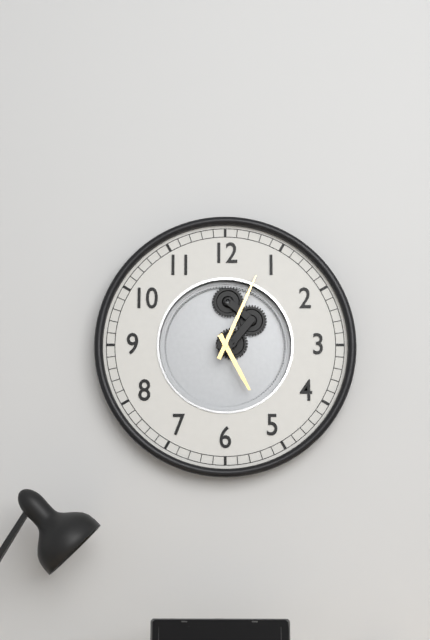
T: 5 h 04 min
